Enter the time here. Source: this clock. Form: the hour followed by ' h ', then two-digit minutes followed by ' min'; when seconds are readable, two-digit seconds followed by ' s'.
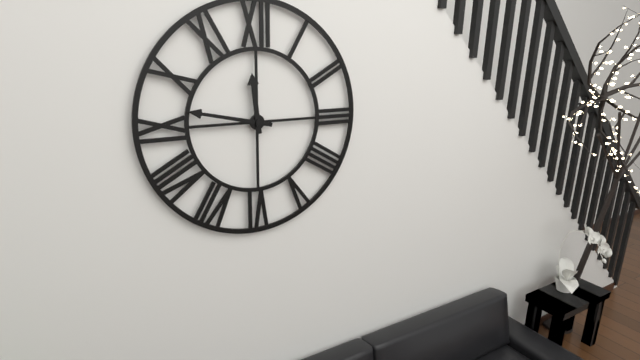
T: 11 h 47 min
